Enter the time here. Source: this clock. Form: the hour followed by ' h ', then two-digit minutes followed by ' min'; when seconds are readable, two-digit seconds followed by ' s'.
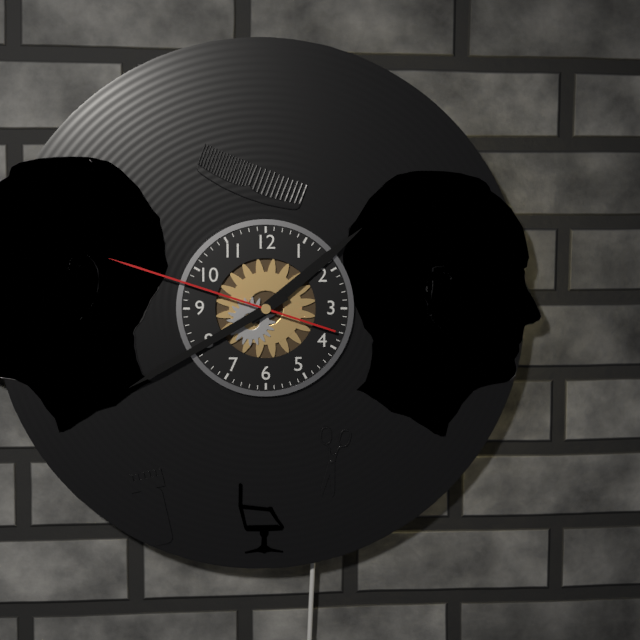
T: 1 h 40 min 48 s
